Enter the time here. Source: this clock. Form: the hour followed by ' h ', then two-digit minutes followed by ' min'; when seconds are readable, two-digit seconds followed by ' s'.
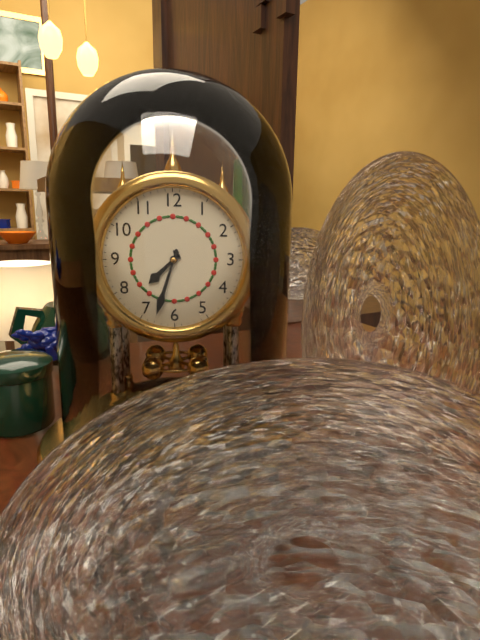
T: 7 h 33 min
